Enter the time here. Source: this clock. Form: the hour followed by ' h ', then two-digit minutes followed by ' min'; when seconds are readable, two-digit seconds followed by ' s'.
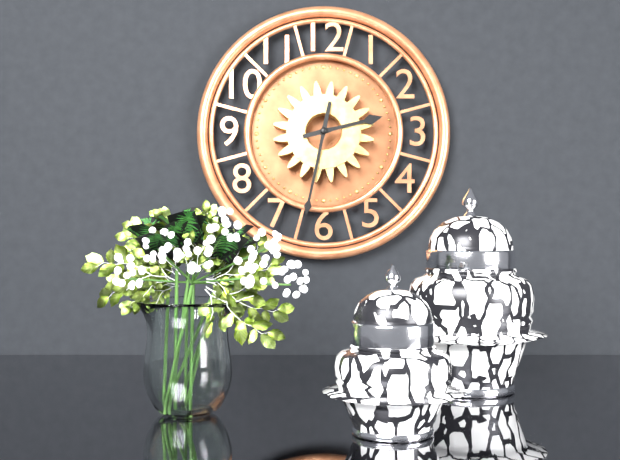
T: 2 h 32 min
